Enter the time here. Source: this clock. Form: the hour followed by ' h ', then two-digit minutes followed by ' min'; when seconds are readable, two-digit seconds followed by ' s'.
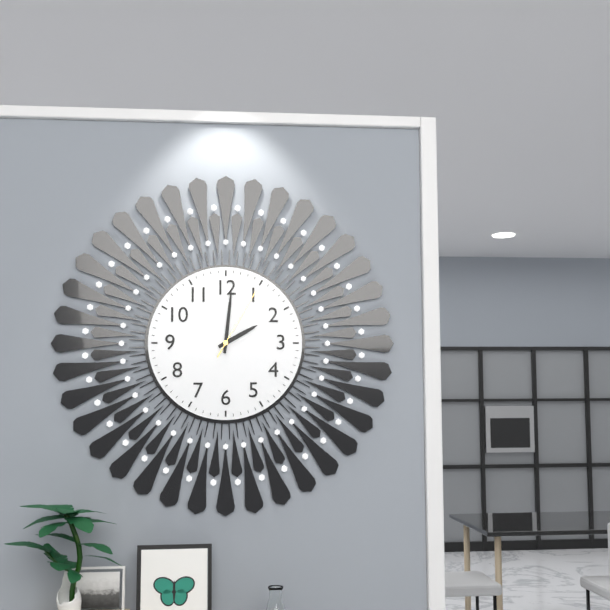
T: 2 h 01 min 05 s
